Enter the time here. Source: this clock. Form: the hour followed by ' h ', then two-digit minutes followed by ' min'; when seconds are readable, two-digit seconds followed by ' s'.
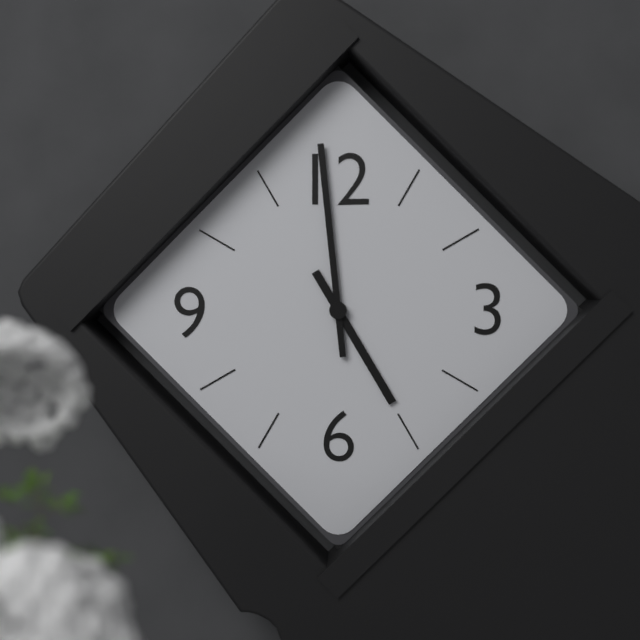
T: 4 h 59 min
